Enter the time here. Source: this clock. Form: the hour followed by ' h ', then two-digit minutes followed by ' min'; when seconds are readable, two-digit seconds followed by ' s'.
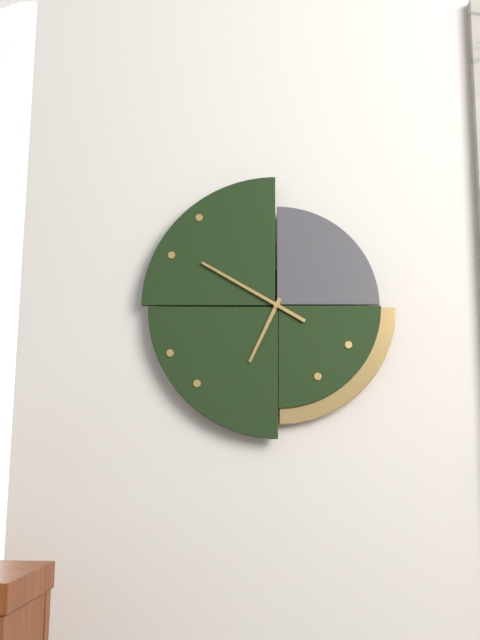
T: 6 h 50 min
